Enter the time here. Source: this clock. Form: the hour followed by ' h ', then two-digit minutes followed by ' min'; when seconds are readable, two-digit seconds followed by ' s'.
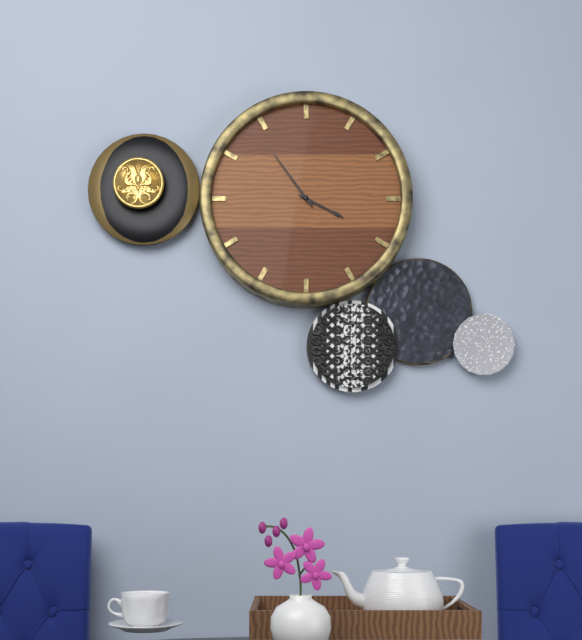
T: 3 h 54 min
